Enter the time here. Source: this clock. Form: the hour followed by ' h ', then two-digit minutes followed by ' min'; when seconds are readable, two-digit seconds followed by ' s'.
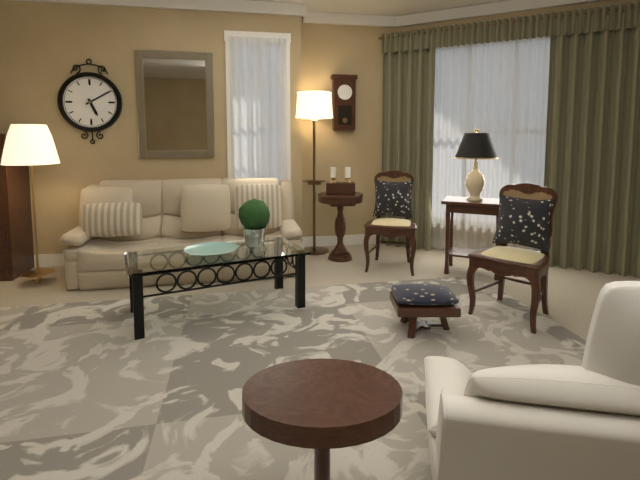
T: 5 h 10 min
